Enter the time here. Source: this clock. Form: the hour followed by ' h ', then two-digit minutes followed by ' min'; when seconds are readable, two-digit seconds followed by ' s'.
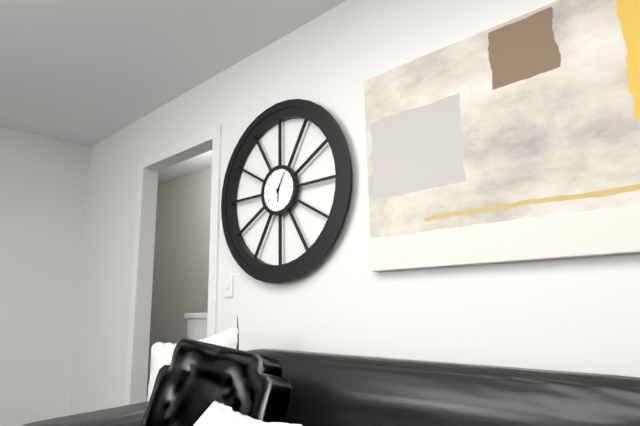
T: 6 h 05 min
